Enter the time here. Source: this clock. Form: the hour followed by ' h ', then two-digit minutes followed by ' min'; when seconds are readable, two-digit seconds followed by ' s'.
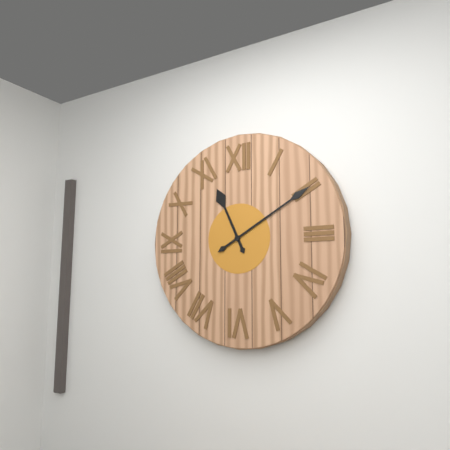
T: 11 h 10 min
